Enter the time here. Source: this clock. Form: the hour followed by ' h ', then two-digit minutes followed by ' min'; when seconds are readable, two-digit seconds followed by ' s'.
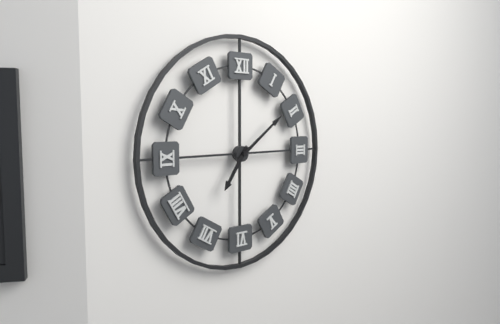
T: 7 h 09 min
